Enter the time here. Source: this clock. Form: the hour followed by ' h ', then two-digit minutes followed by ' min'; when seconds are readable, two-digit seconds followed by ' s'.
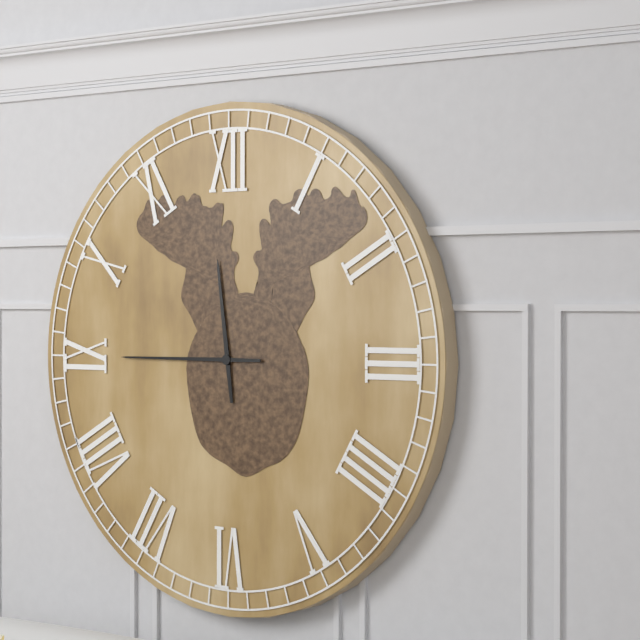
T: 11 h 45 min
